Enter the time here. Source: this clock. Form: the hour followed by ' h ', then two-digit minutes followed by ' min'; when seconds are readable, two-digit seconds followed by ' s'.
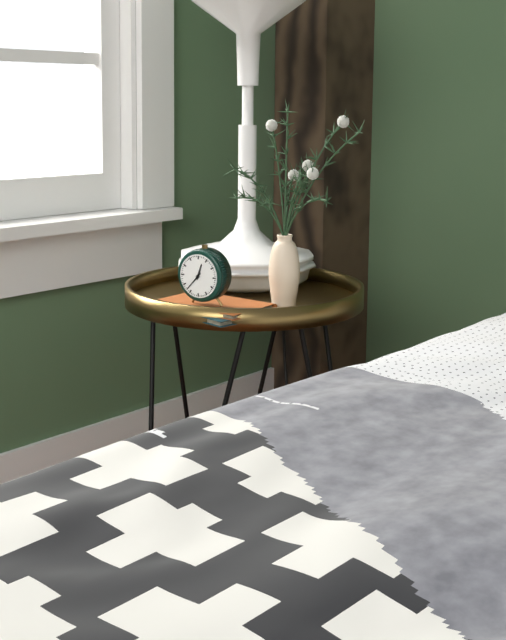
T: 12 h 37 min
